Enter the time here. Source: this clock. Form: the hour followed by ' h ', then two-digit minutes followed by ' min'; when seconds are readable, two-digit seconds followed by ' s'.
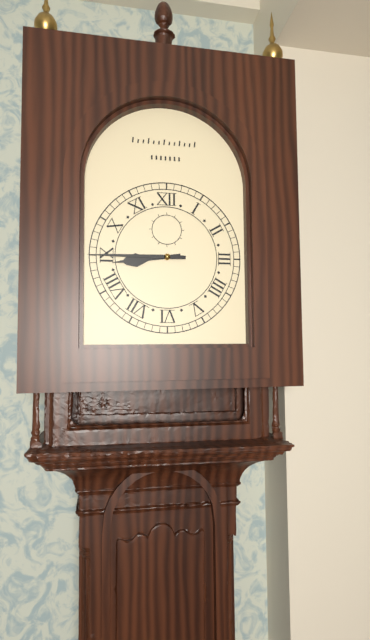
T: 8 h 45 min
